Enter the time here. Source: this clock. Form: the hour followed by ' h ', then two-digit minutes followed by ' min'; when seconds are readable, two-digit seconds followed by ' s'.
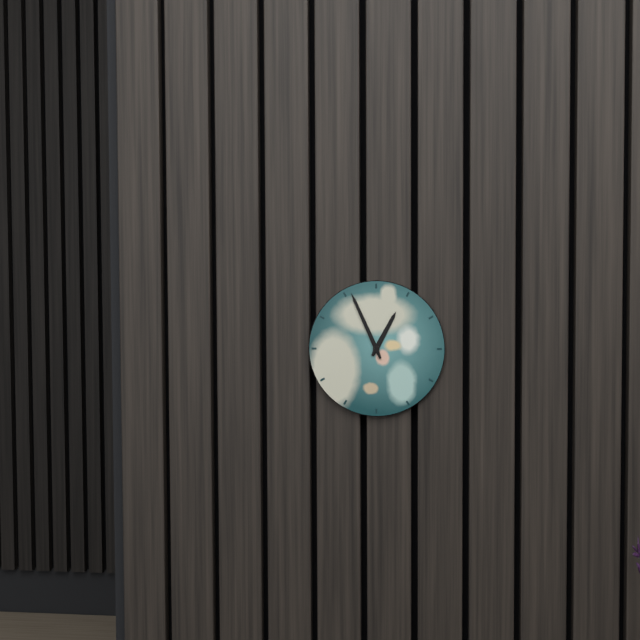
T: 12 h 56 min
